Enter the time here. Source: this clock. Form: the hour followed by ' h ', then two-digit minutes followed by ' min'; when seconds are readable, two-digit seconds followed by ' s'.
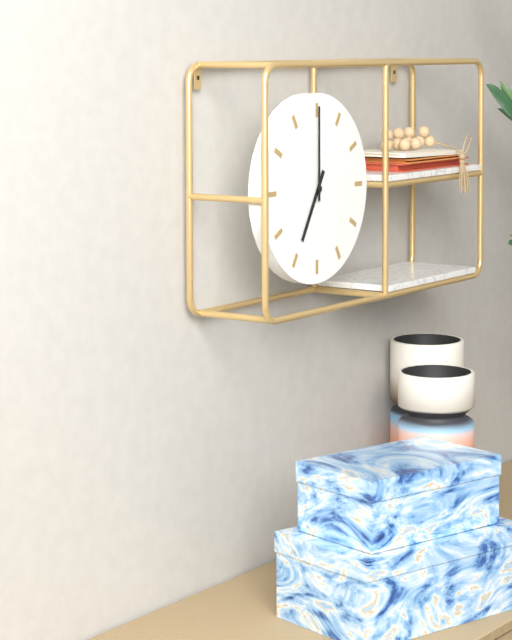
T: 7 h 00 min
